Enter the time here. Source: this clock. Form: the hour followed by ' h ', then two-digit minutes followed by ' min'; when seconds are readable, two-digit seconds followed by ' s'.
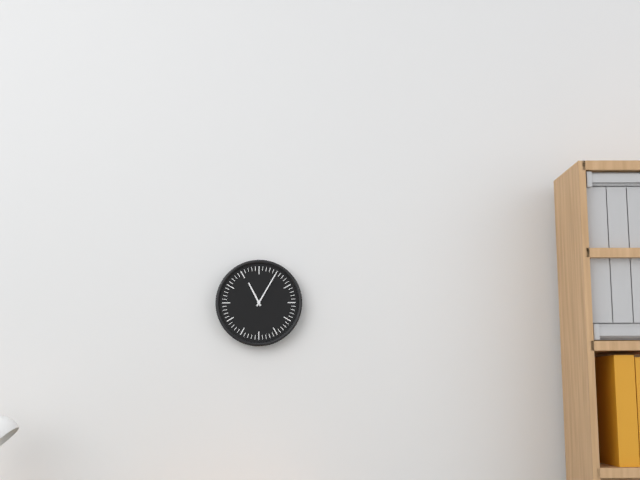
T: 11 h 05 min
